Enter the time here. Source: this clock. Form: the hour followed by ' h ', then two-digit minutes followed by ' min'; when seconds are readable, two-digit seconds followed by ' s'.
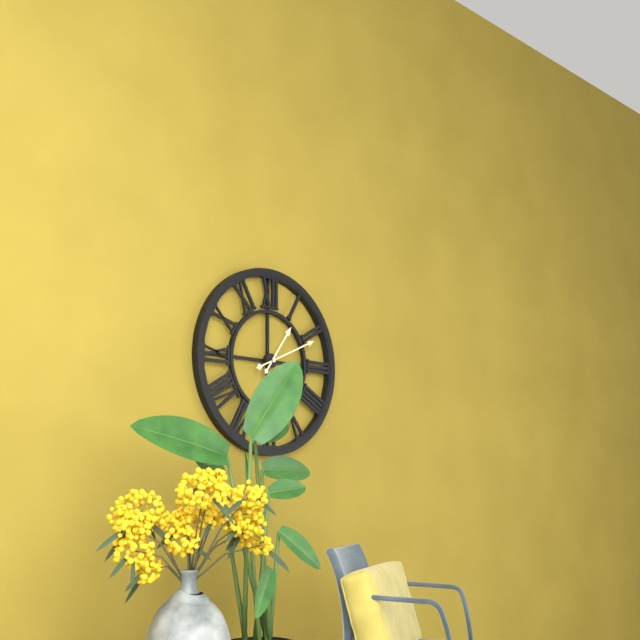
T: 1 h 11 min
